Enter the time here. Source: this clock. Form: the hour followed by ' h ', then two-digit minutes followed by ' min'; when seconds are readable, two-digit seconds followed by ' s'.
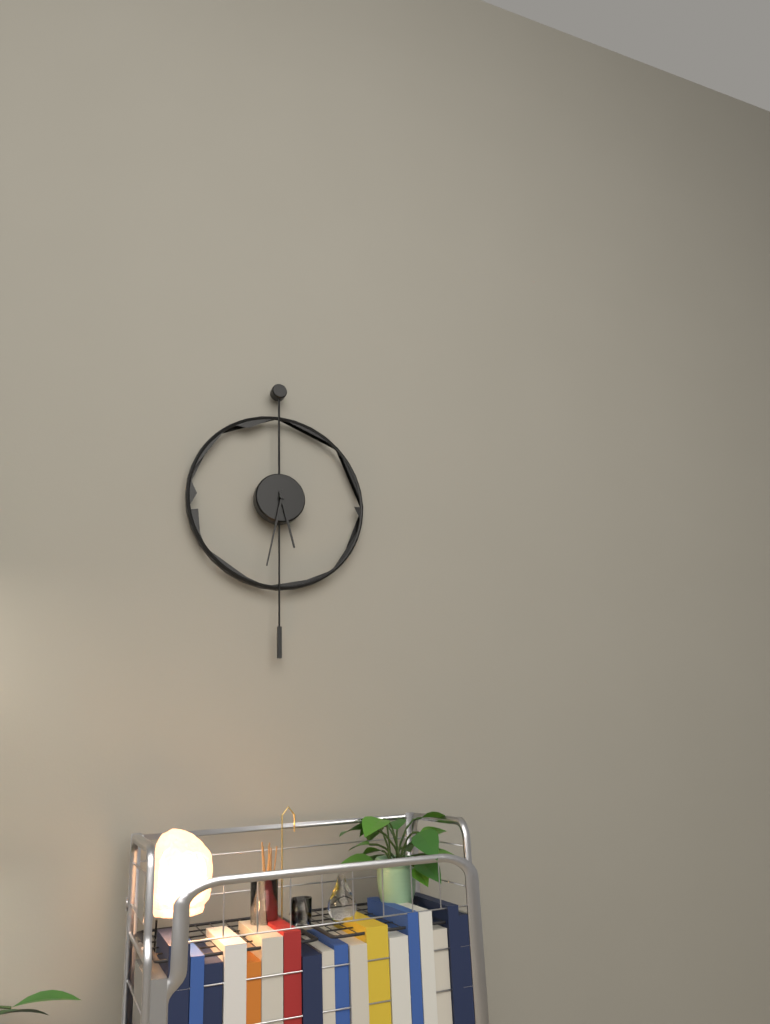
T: 5 h 32 min
